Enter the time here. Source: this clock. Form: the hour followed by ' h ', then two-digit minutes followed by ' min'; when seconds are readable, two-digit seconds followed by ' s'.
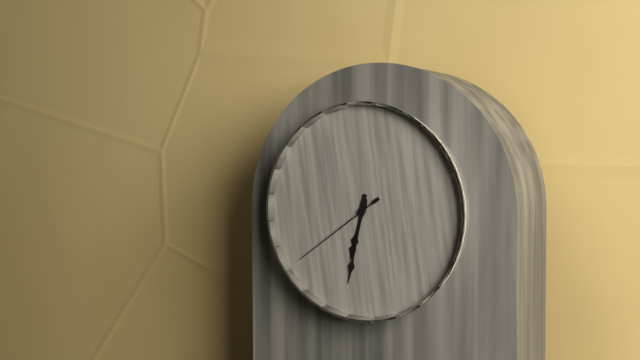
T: 6 h 32 min 39 s
